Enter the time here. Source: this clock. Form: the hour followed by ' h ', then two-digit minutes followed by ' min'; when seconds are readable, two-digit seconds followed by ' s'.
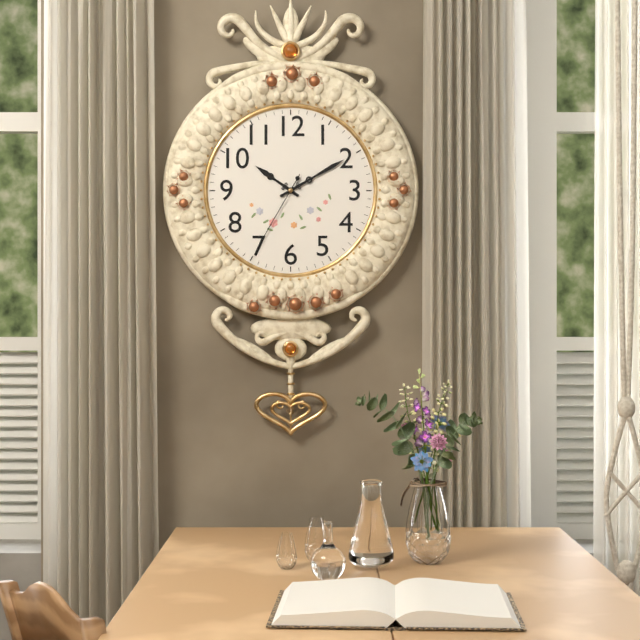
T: 10 h 10 min 35 s
